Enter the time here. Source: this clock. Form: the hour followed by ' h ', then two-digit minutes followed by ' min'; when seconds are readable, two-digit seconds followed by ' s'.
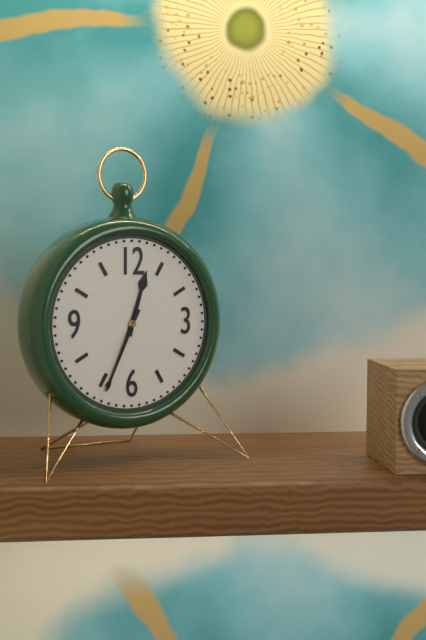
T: 12 h 34 min
